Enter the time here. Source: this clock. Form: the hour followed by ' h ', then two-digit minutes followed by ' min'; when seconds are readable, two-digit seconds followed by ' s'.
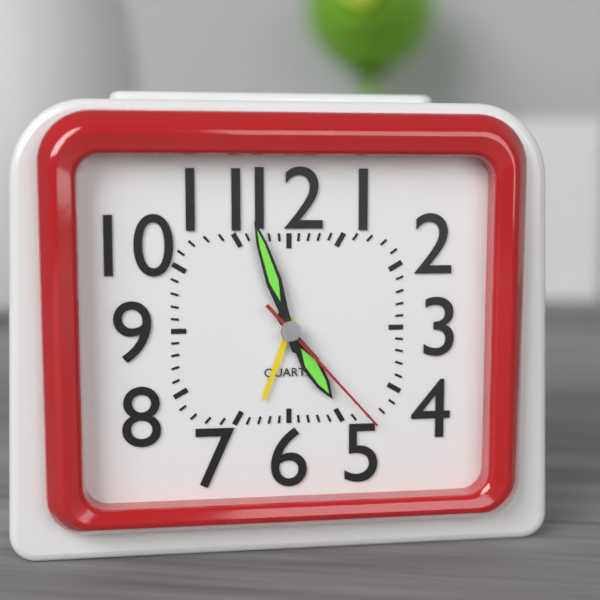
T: 4 h 57 min 23 s
